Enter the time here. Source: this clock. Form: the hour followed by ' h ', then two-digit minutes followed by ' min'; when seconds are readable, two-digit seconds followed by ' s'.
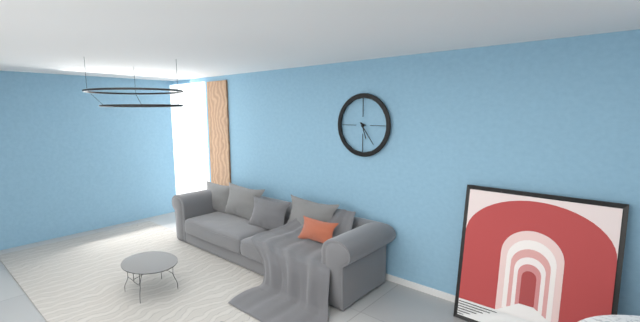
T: 5 h 24 min
